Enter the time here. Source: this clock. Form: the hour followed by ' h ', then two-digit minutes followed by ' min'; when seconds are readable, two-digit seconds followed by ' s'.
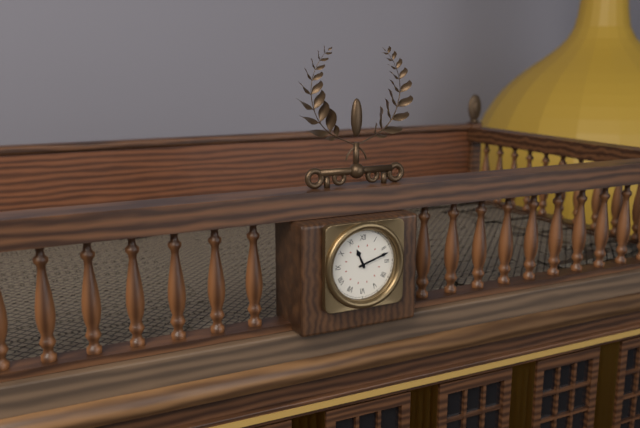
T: 11 h 12 min
